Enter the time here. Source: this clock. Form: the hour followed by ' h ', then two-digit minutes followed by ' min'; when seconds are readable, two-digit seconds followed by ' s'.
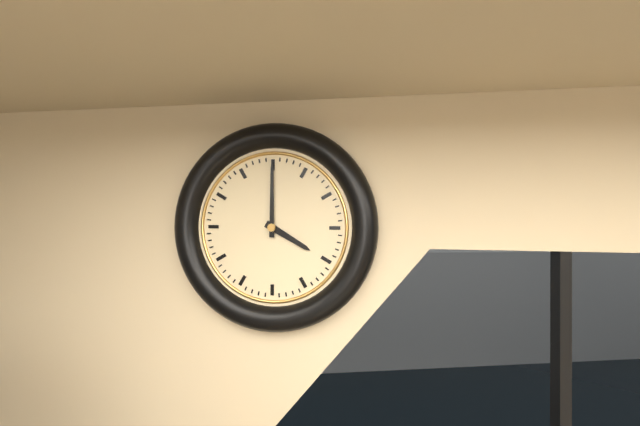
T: 4 h 00 min
